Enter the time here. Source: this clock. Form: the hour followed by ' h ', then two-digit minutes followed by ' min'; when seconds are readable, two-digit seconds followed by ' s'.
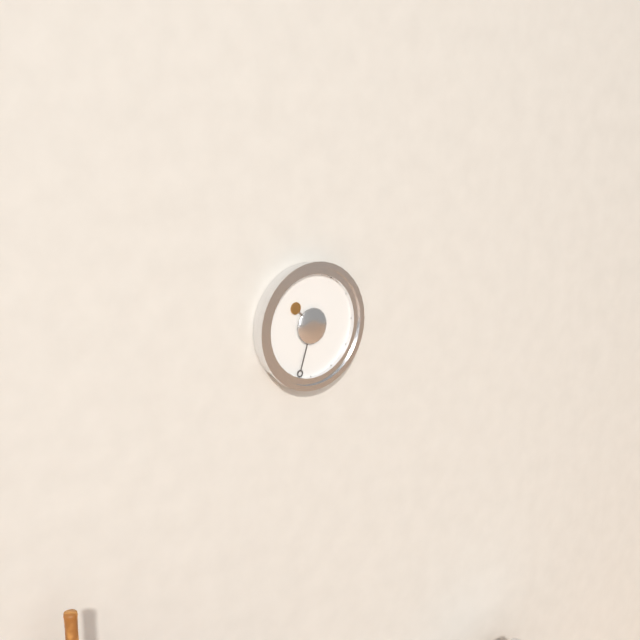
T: 10 h 33 min
